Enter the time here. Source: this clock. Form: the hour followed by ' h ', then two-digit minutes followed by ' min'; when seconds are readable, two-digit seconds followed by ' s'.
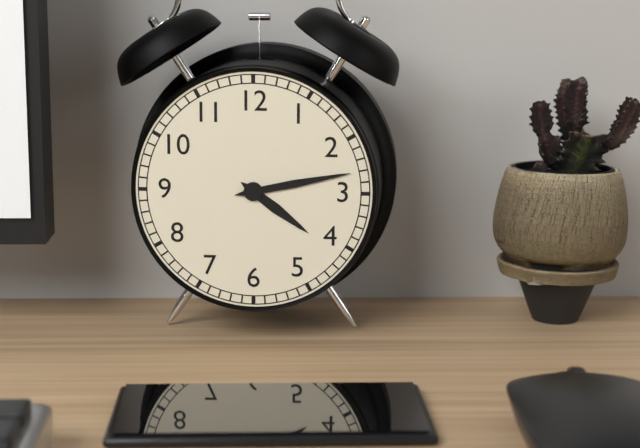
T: 4 h 13 min
